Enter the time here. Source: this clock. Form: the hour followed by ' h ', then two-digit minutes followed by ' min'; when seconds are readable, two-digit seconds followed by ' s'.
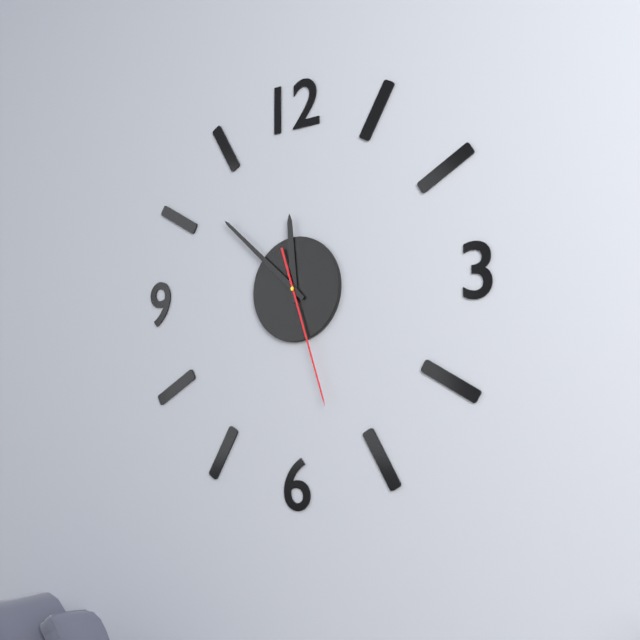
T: 11 h 52 min 27 s
